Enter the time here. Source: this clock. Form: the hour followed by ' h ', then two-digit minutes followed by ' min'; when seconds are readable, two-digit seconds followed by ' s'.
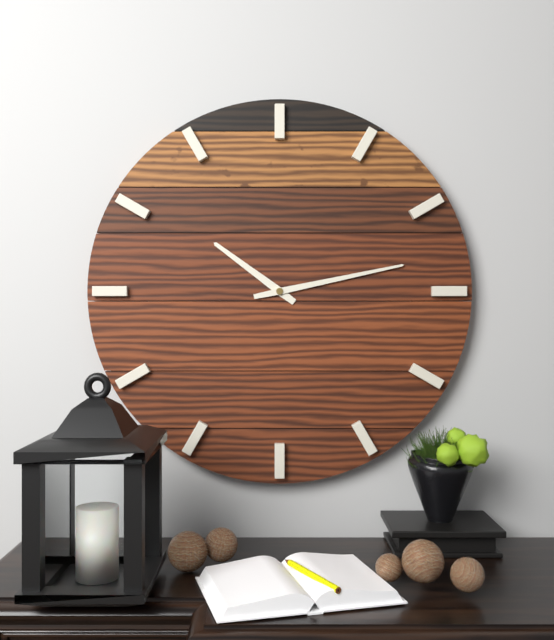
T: 10 h 13 min
